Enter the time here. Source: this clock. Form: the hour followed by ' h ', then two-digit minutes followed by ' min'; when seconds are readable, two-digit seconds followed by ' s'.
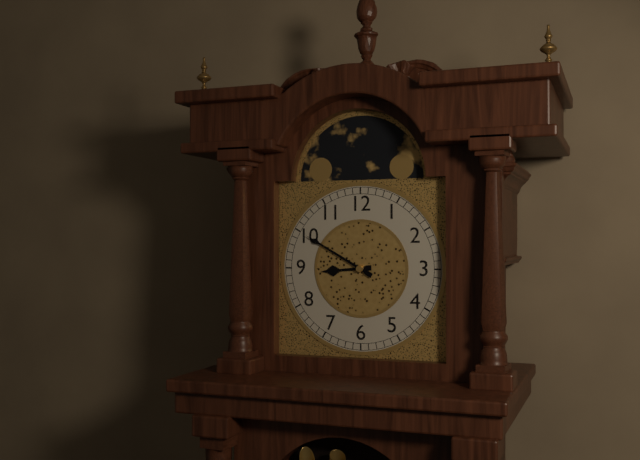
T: 8 h 50 min
